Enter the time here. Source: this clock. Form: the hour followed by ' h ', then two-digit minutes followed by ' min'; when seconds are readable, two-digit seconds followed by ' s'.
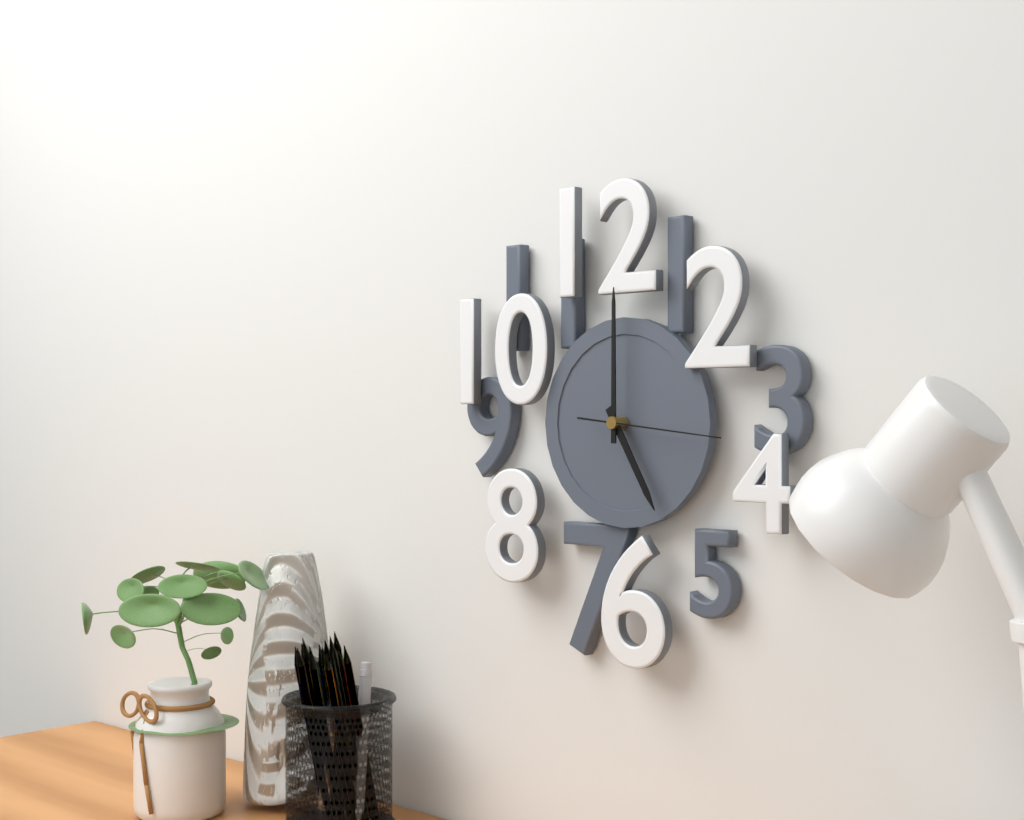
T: 5 h 00 min 16 s
